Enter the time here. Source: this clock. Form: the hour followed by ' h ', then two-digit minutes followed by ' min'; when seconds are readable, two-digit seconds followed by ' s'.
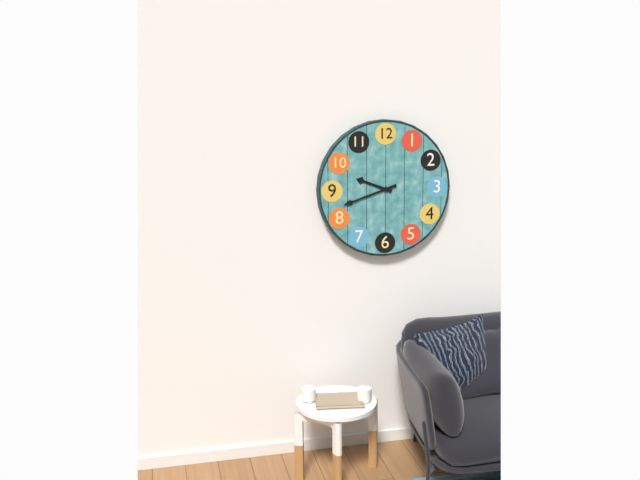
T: 9 h 42 min
